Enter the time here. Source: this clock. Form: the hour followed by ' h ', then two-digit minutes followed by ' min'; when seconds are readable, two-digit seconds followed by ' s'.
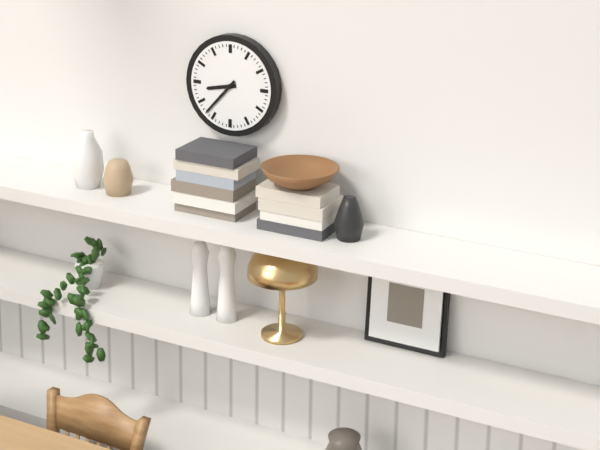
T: 8 h 37 min
